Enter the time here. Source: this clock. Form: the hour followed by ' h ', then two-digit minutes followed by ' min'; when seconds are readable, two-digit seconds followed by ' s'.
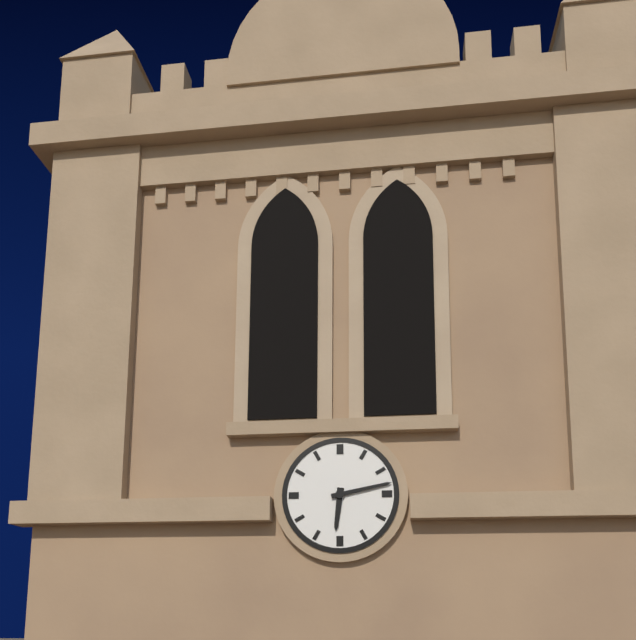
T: 6 h 13 min
